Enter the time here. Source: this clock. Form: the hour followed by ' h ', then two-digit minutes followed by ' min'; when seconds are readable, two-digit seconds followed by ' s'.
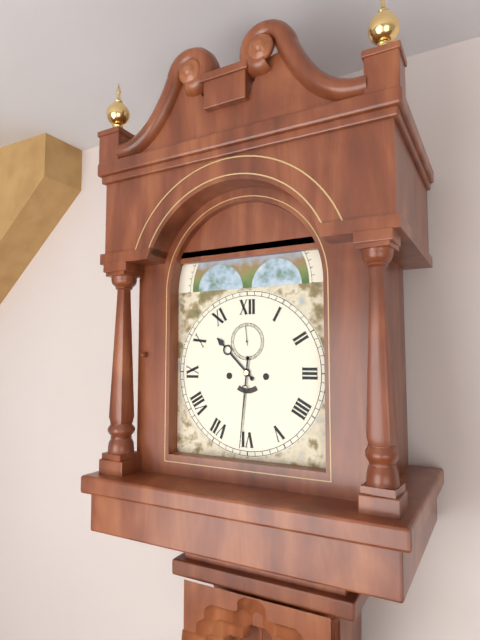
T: 10 h 31 min
